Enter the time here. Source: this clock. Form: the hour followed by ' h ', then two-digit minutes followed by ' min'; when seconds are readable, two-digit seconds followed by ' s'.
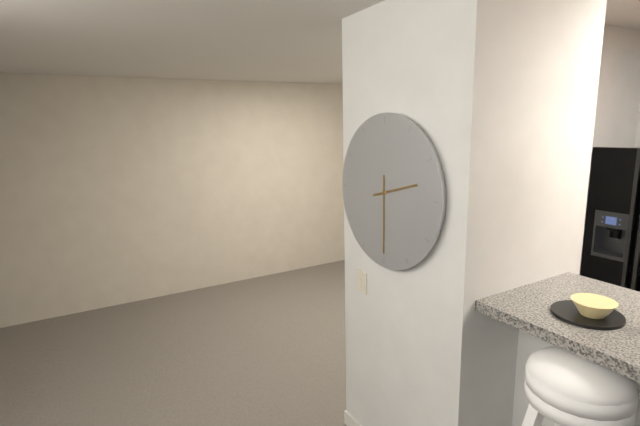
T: 2 h 30 min
